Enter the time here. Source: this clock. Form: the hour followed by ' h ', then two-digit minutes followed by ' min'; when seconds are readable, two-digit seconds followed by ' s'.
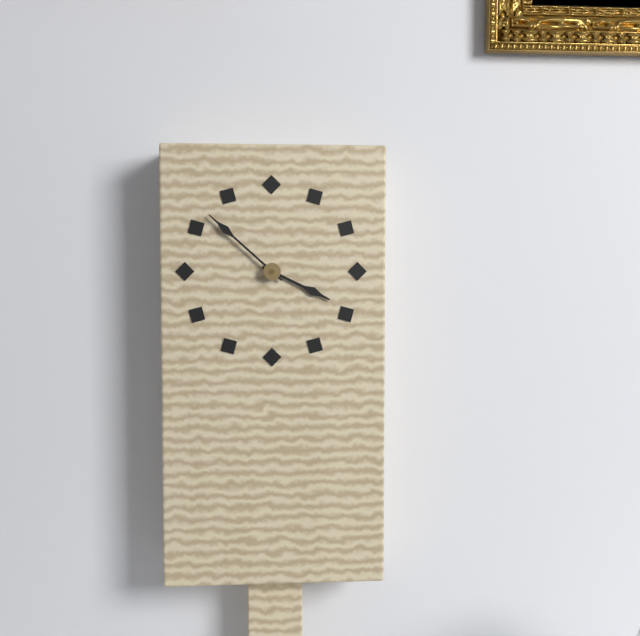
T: 3 h 52 min
